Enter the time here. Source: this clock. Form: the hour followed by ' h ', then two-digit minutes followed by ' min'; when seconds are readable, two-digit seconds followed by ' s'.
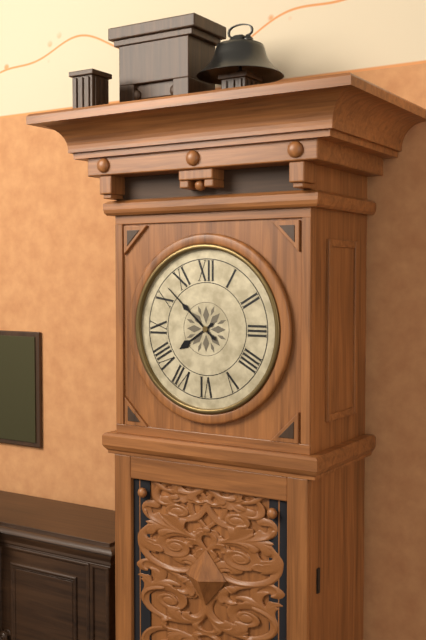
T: 7 h 52 min
